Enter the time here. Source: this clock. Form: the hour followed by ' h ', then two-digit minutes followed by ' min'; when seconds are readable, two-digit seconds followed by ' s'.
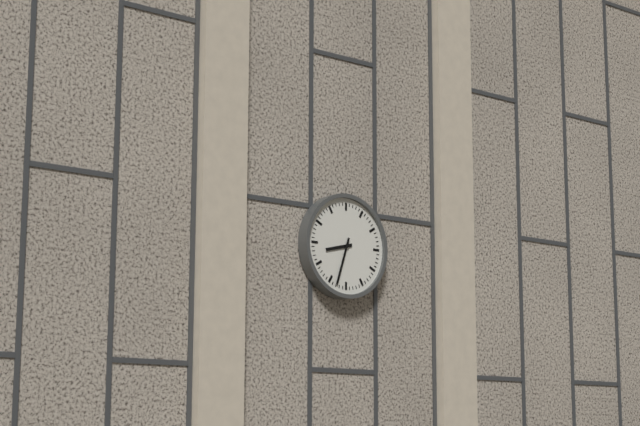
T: 8 h 33 min
